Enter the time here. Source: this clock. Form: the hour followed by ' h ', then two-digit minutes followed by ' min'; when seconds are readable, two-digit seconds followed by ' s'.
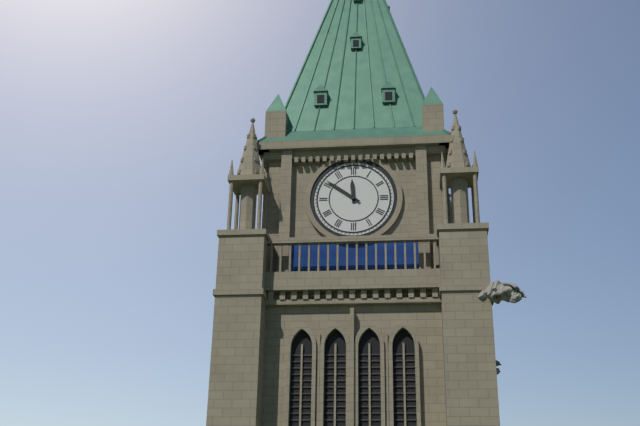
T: 11 h 51 min
